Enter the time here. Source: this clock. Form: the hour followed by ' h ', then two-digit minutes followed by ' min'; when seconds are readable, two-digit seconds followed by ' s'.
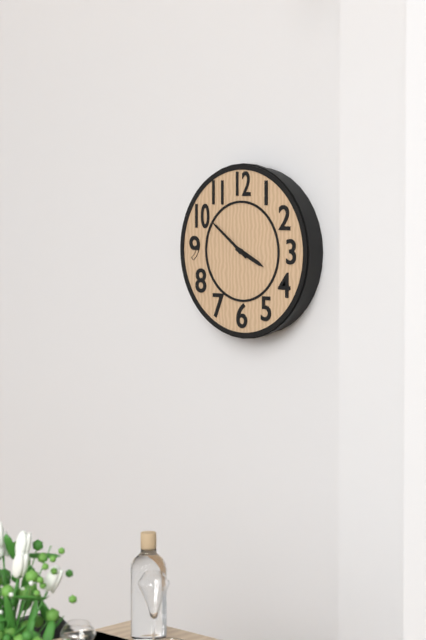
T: 3 h 51 min
